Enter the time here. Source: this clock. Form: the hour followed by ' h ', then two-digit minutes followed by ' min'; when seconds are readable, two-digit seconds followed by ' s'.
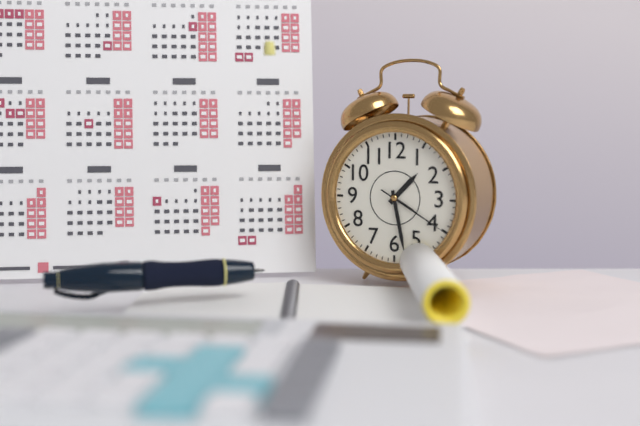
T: 1 h 28 min 20 s
